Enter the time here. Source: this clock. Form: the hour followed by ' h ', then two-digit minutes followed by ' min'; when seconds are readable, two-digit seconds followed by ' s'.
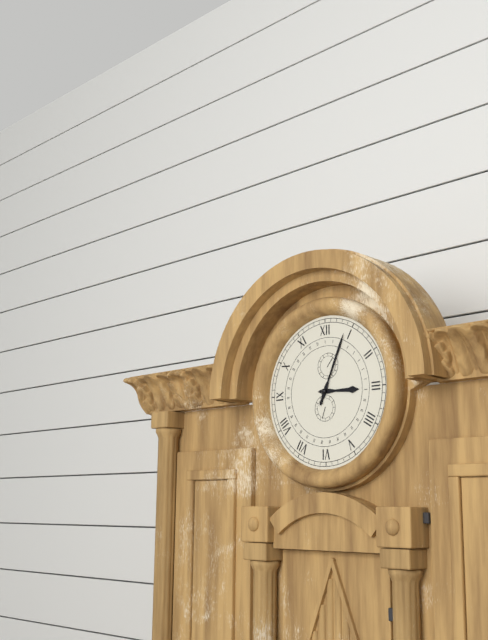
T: 3 h 04 min
